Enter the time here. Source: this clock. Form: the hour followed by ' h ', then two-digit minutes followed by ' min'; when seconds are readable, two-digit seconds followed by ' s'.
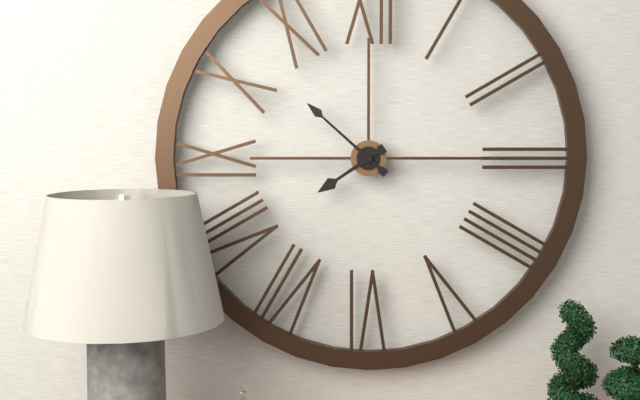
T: 7 h 52 min
